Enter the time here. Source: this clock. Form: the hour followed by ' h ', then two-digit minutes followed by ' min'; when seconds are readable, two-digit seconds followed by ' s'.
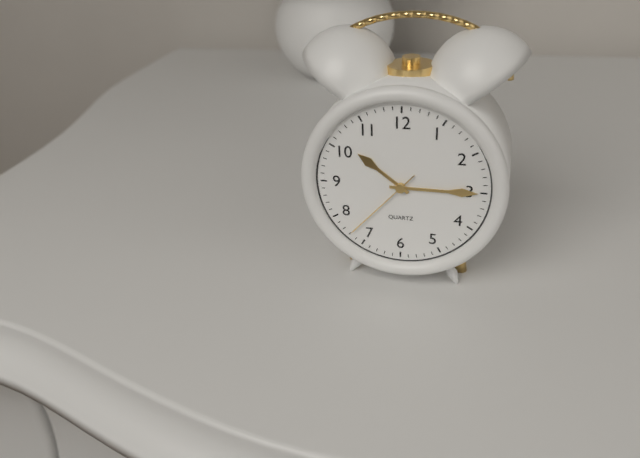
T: 10 h 15 min 37 s
